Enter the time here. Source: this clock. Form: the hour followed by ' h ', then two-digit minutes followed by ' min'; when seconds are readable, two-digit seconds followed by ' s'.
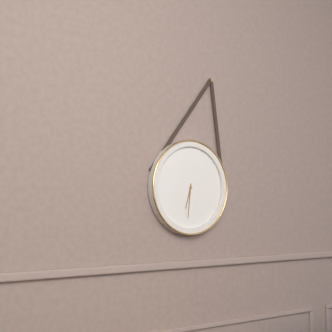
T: 6 h 31 min
